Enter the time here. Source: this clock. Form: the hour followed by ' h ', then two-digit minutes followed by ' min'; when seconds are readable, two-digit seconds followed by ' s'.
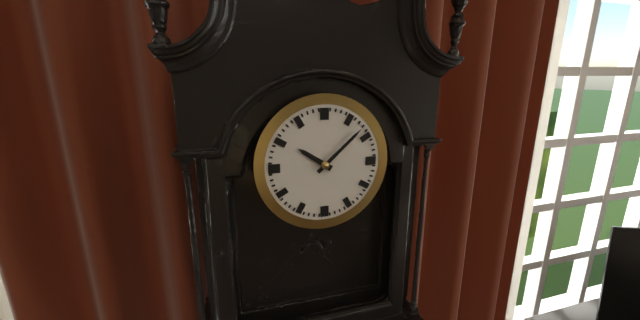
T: 10 h 08 min
